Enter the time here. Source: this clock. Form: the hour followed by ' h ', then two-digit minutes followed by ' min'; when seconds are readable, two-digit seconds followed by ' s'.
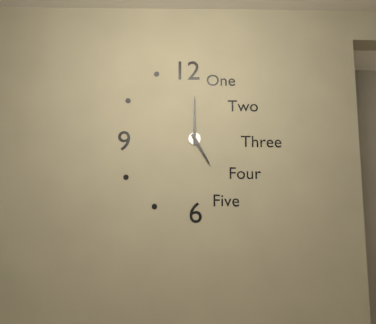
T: 5 h 00 min
